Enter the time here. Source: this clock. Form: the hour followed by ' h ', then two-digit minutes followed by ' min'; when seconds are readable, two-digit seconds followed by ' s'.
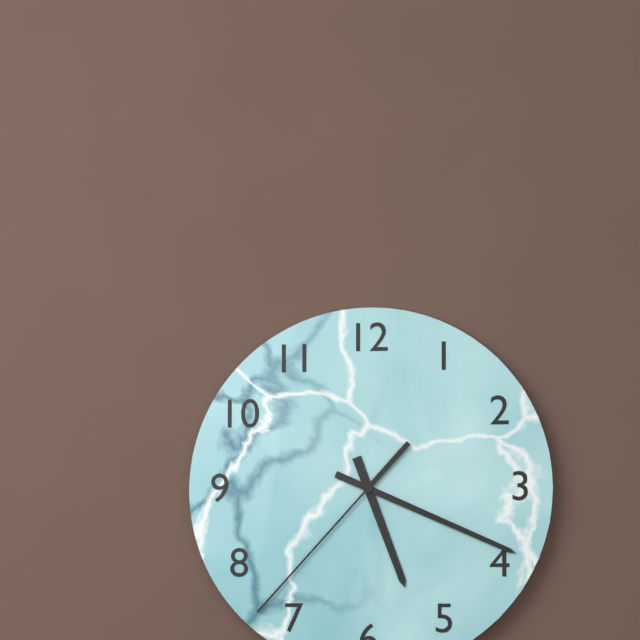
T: 5 h 19 min 37 s
